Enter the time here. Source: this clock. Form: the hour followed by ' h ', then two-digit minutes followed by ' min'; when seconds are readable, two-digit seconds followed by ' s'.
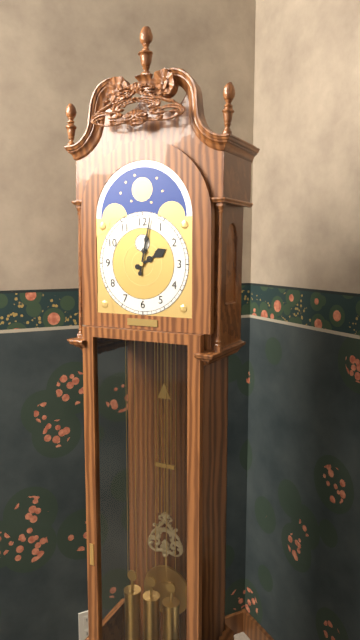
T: 2 h 02 min
